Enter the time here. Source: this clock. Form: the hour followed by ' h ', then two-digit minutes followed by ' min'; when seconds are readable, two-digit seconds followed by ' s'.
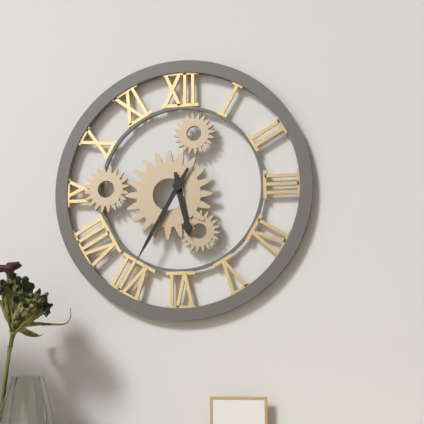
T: 5 h 35 min
